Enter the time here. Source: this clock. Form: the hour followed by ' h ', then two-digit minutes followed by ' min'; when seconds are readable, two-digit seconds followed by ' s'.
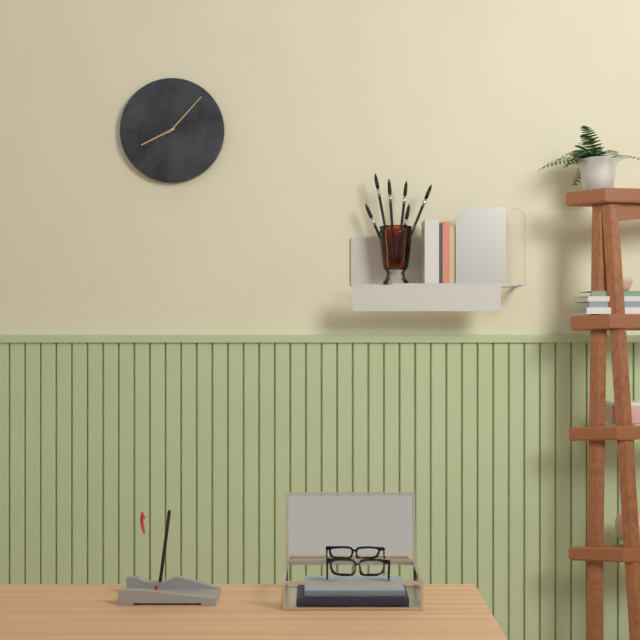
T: 8 h 07 min
